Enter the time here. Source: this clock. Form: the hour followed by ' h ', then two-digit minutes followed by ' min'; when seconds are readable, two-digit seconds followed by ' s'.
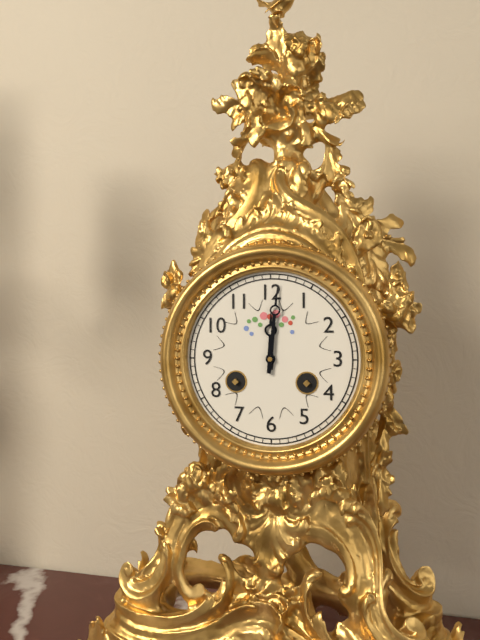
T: 12 h 01 min
